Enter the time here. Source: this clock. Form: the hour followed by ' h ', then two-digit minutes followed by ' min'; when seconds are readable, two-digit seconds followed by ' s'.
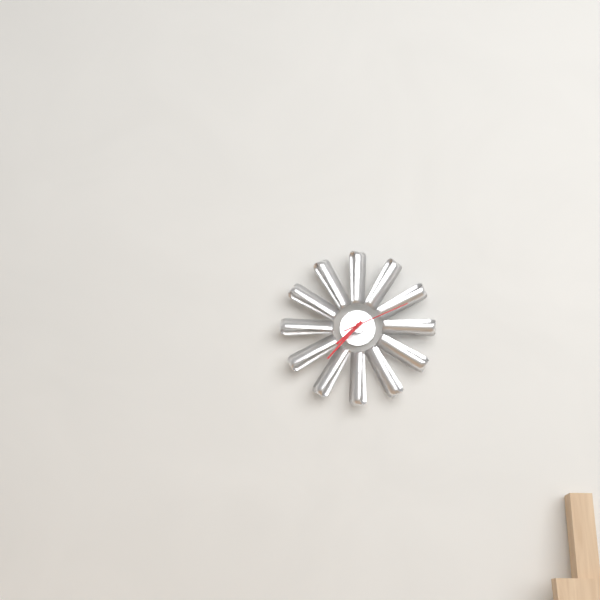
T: 7 h 37 min 11 s
